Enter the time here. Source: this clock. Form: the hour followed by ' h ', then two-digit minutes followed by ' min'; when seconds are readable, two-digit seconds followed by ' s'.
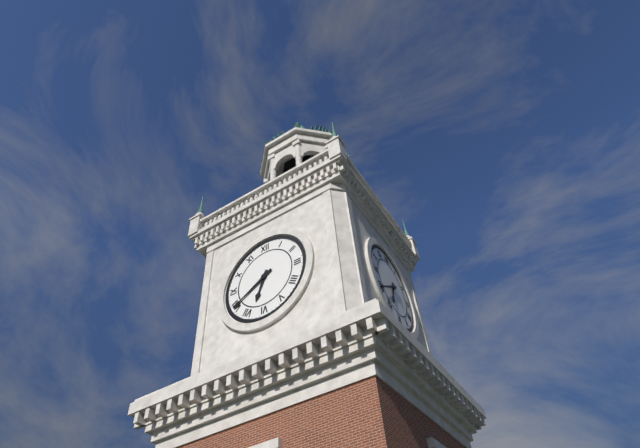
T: 6 h 40 min
